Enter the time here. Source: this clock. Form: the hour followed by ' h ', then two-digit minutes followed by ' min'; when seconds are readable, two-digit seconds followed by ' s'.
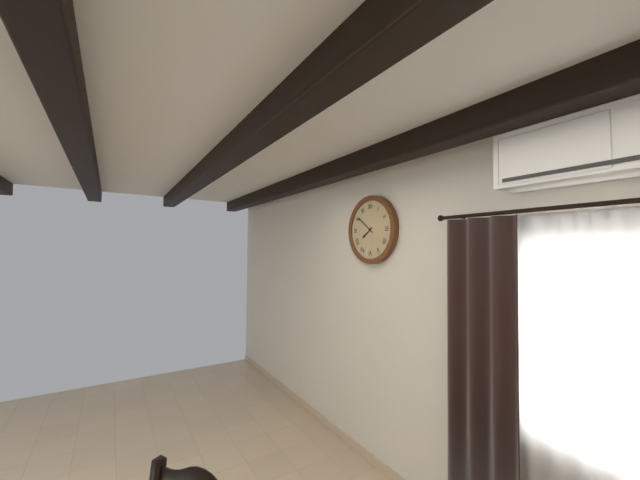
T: 7 h 51 min
